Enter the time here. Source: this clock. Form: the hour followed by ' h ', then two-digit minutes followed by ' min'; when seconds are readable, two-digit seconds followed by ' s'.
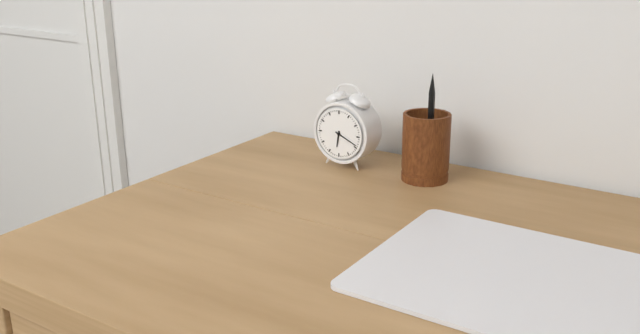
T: 6 h 19 min
